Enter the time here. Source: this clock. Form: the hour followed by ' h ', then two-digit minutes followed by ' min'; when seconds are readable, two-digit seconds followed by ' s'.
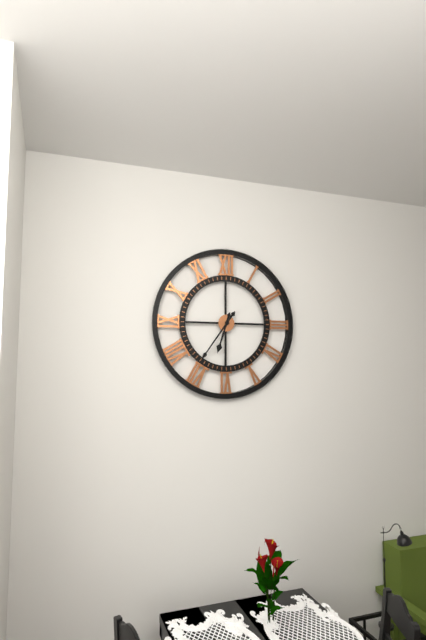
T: 6 h 36 min
